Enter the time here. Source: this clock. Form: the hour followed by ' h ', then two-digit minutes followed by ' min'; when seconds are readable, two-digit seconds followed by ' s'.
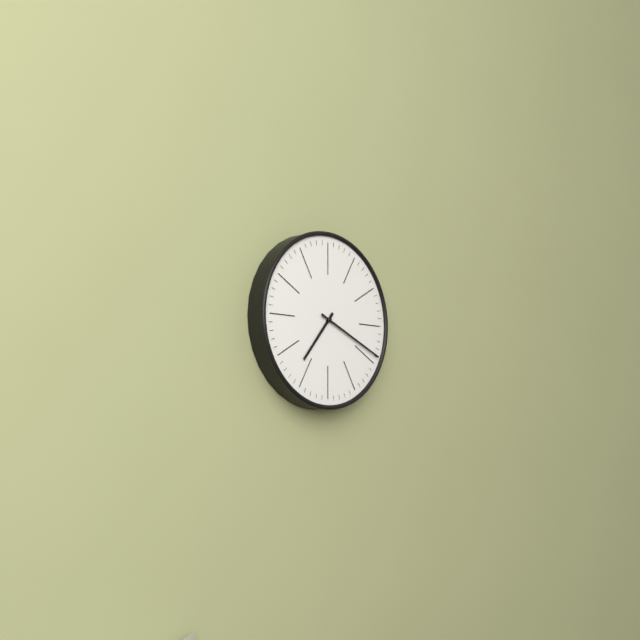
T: 7 h 19 min
